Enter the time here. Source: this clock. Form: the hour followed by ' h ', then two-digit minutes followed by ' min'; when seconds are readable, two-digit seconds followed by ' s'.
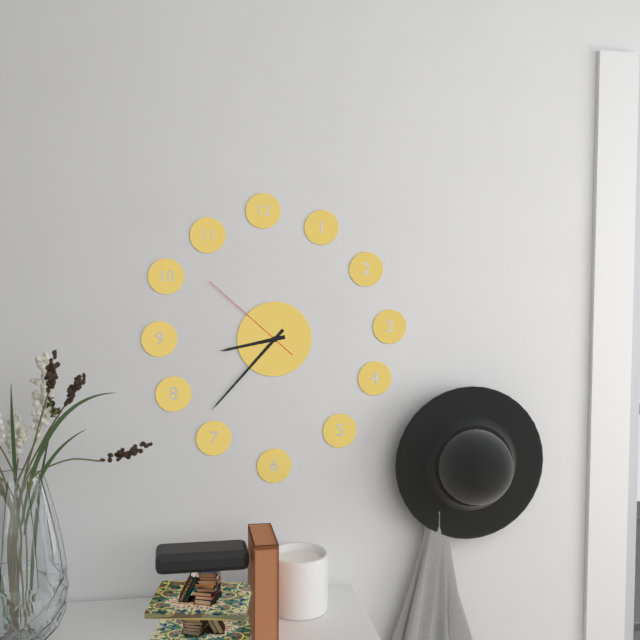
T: 8 h 37 min 52 s
